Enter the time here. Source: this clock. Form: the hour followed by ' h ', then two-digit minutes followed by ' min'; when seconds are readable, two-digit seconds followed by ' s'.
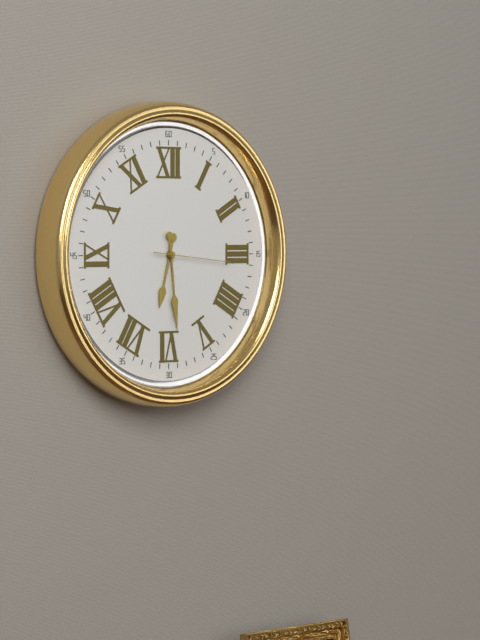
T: 6 h 29 min 16 s
